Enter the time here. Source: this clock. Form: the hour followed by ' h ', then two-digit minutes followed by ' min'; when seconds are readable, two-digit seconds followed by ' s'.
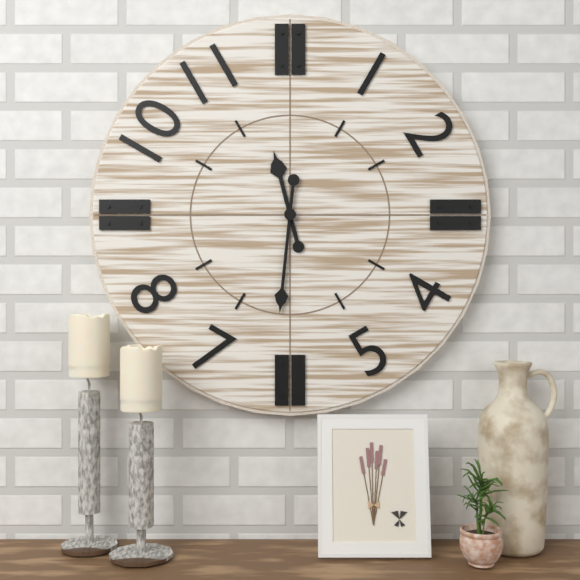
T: 11 h 31 min
